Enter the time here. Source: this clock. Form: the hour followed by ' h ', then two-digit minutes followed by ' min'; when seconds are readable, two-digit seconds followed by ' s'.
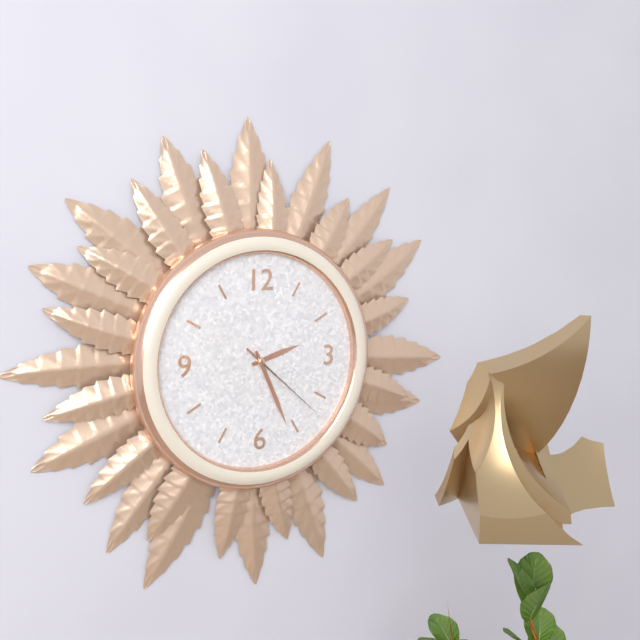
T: 2 h 26 min 22 s
